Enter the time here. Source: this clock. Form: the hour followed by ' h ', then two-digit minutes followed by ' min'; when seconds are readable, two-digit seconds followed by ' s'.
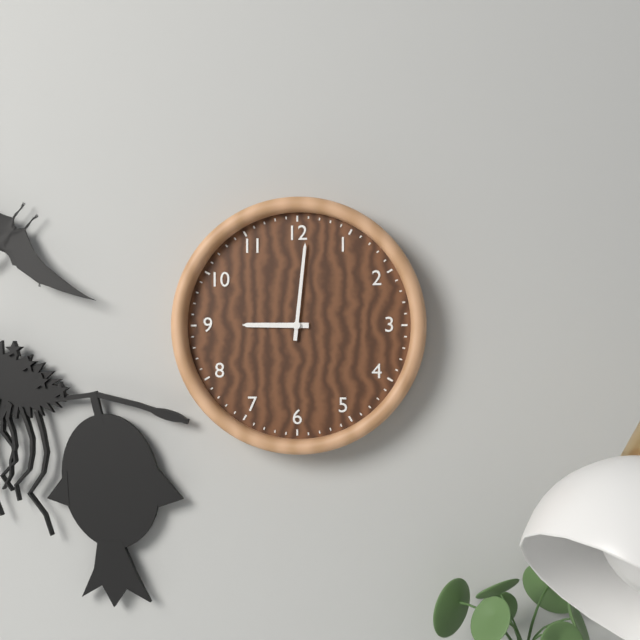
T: 9 h 01 min
